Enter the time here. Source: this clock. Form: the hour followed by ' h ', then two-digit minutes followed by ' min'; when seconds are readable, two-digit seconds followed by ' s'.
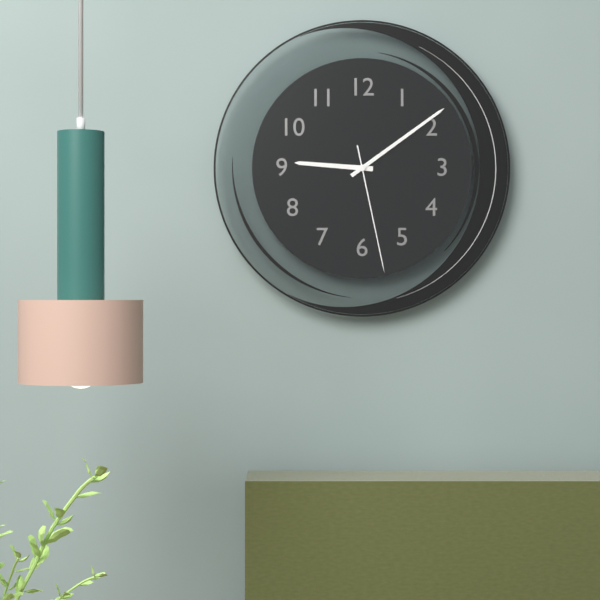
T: 9 h 09 min 28 s
